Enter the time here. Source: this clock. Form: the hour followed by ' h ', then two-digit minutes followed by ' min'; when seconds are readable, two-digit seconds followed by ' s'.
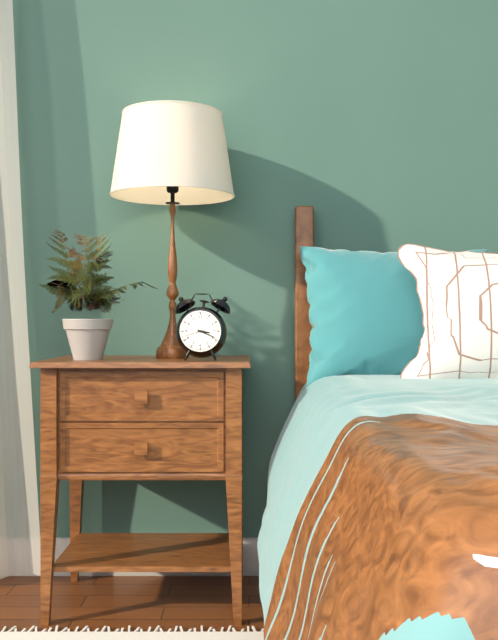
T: 3 h 19 min
